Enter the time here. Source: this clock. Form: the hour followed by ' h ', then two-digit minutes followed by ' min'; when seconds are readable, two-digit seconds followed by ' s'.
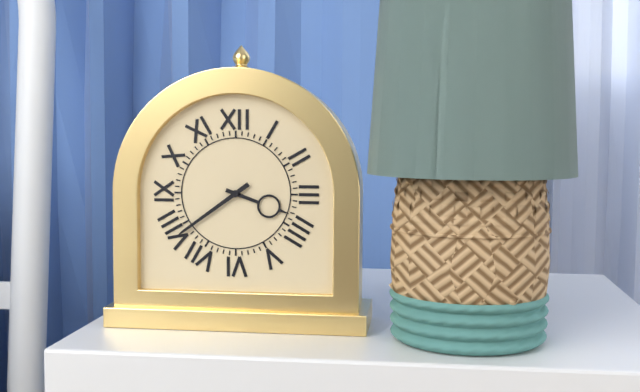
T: 3 h 39 min
